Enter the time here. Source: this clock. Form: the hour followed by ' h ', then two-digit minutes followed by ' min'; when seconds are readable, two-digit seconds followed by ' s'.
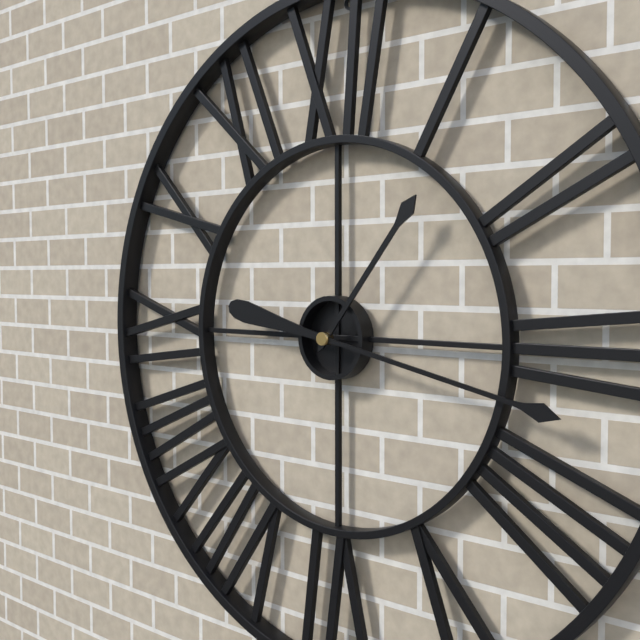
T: 1 h 17 min
